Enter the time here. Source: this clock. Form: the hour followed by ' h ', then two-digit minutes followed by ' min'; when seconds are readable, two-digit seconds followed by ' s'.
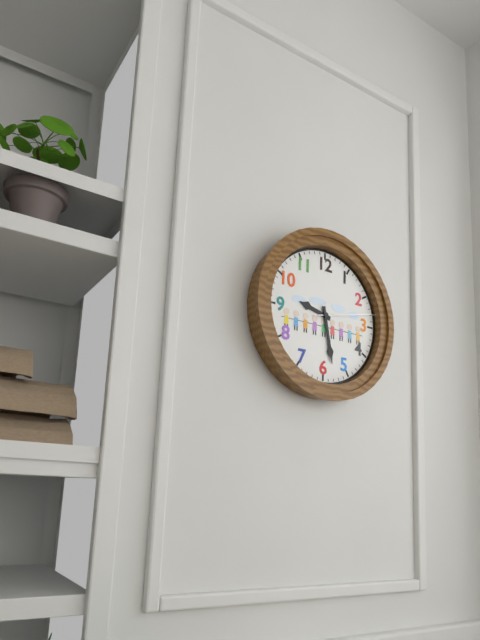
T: 9 h 28 min 13 s
